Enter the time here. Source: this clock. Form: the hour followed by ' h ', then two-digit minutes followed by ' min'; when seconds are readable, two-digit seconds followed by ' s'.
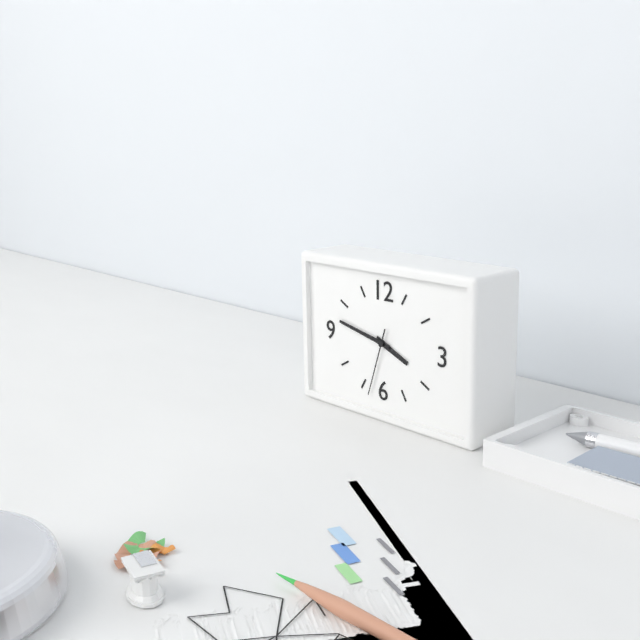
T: 3 h 47 min 33 s
